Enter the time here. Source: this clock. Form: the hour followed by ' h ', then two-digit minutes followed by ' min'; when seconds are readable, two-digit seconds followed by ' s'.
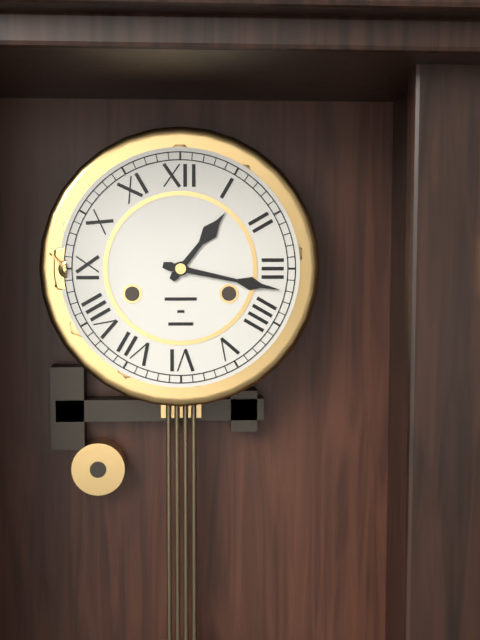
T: 1 h 17 min
